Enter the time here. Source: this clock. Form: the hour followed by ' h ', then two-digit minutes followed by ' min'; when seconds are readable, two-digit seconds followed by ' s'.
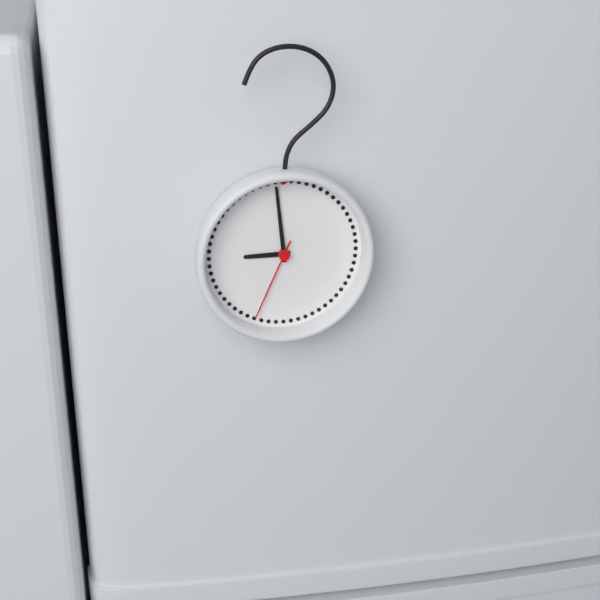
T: 8 h 59 min 34 s
